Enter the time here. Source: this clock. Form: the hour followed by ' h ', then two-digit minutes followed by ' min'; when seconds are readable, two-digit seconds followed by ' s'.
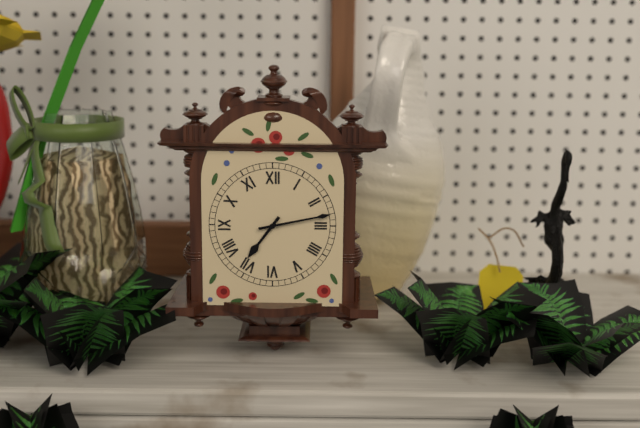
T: 7 h 13 min
